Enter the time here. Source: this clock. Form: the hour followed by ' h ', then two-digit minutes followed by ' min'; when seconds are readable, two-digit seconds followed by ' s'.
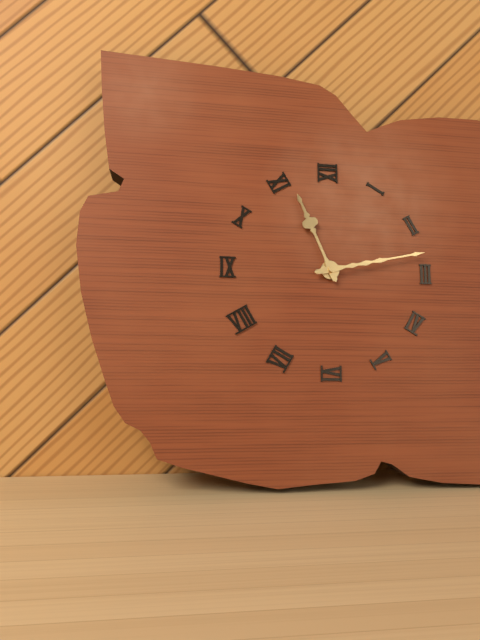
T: 11 h 13 min
